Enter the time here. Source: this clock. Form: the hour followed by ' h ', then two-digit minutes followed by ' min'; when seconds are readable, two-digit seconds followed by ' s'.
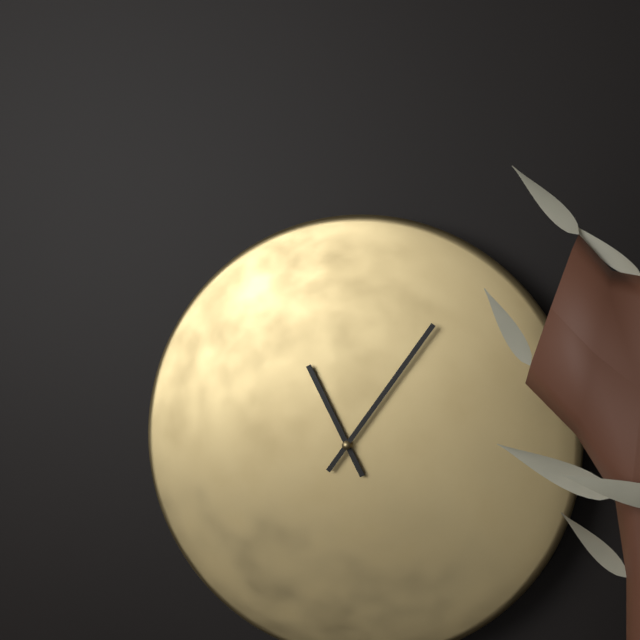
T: 11 h 06 min
